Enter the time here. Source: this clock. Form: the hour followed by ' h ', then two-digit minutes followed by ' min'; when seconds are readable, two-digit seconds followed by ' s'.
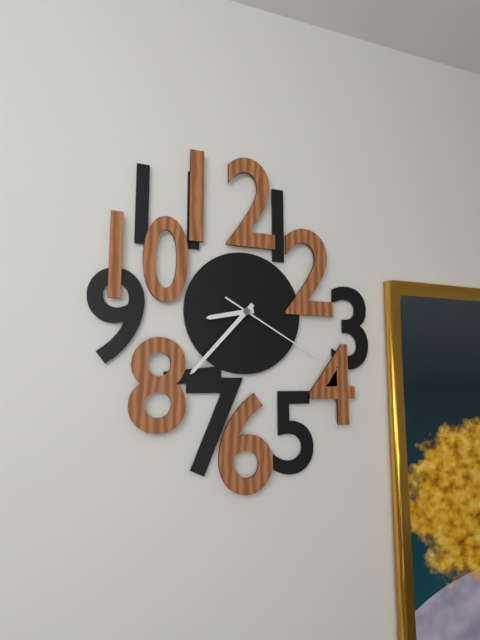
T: 8 h 37 min 20 s
